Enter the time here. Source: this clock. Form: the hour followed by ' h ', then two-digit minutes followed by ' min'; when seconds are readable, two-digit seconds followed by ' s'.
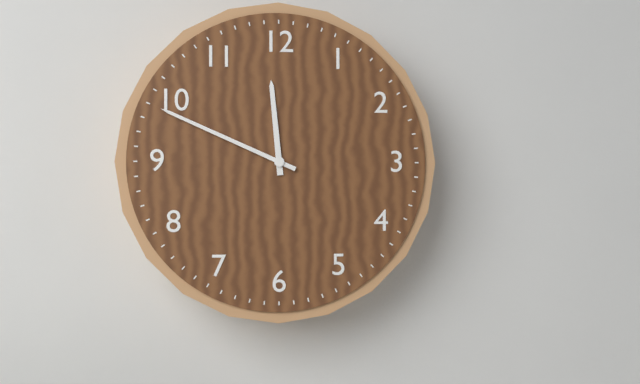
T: 11 h 49 min
